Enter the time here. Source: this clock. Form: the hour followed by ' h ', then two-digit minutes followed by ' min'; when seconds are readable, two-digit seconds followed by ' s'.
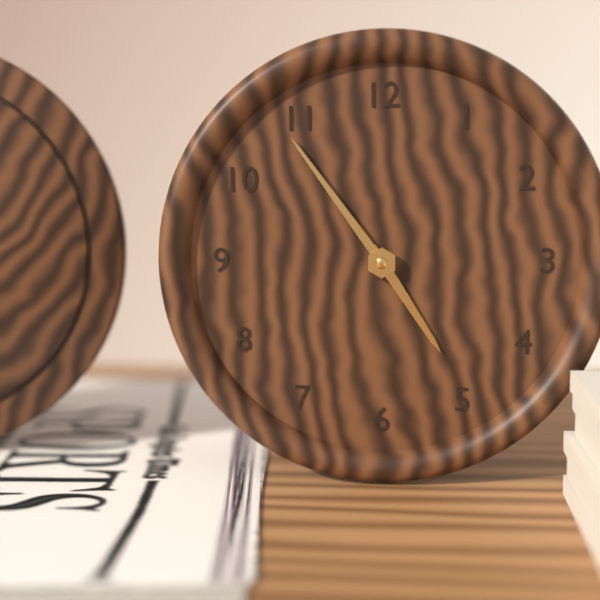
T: 4 h 54 min
